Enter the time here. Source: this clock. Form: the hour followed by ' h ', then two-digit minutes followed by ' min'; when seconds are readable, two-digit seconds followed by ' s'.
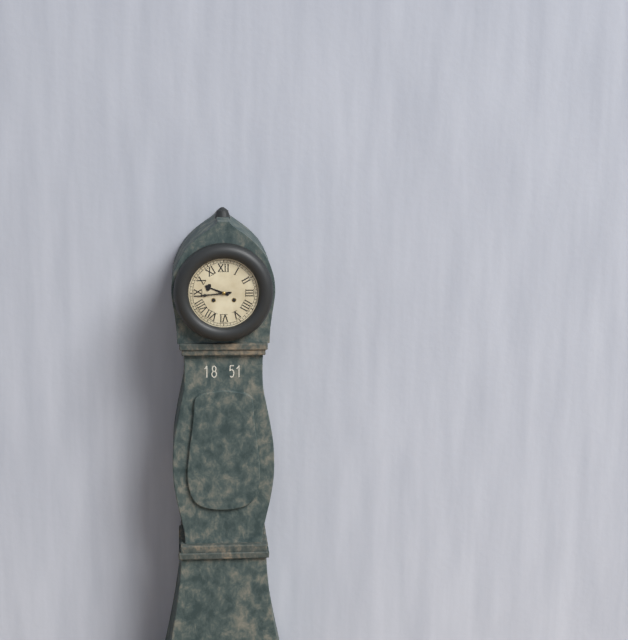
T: 9 h 44 min
